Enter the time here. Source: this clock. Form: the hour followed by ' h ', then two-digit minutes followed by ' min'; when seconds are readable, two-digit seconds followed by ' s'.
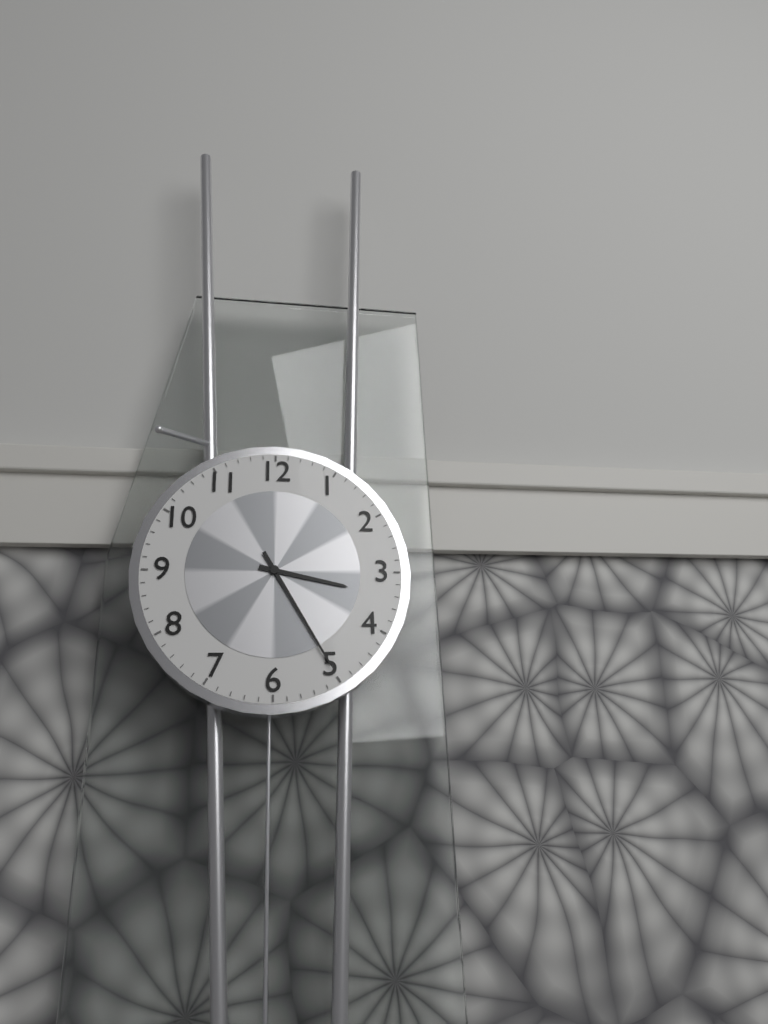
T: 3 h 25 min
